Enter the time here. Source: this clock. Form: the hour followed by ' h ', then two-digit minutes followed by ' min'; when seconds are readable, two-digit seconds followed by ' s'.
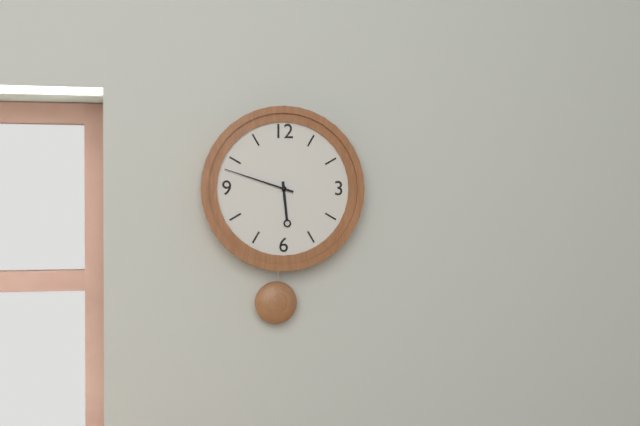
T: 5 h 48 min
